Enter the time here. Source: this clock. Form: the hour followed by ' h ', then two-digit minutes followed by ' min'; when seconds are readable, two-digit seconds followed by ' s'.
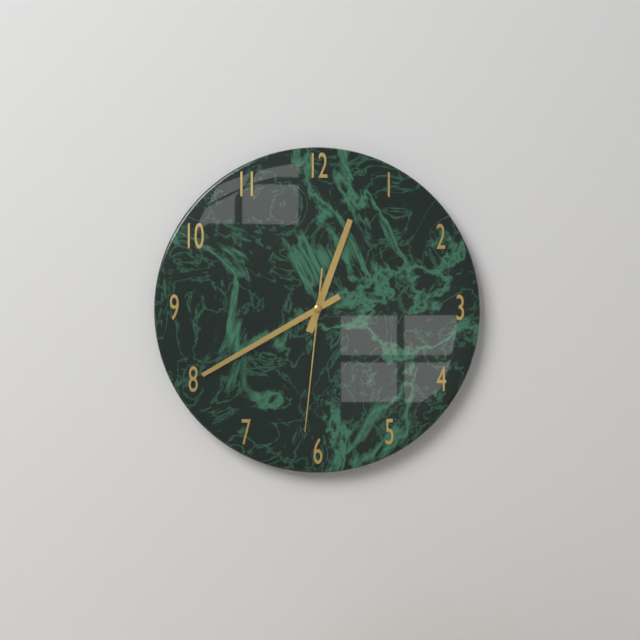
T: 12 h 40 min 31 s
